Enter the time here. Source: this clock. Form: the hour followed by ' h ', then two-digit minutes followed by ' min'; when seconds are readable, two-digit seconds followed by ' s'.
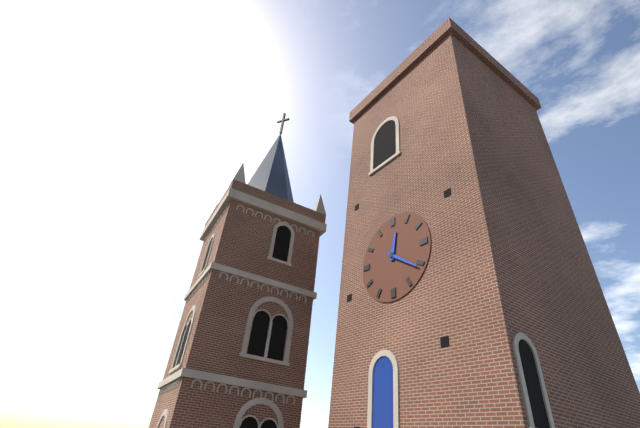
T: 12 h 21 min
